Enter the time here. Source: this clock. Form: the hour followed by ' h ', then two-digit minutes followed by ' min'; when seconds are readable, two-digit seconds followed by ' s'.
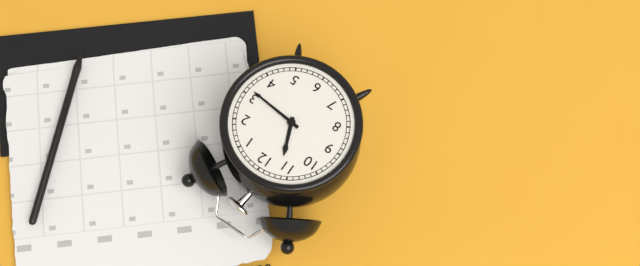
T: 11 h 16 min
